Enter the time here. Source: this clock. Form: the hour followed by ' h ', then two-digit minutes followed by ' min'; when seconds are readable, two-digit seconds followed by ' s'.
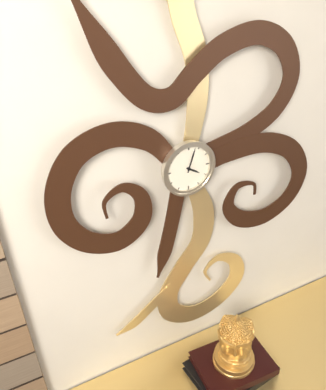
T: 4 h 03 min
